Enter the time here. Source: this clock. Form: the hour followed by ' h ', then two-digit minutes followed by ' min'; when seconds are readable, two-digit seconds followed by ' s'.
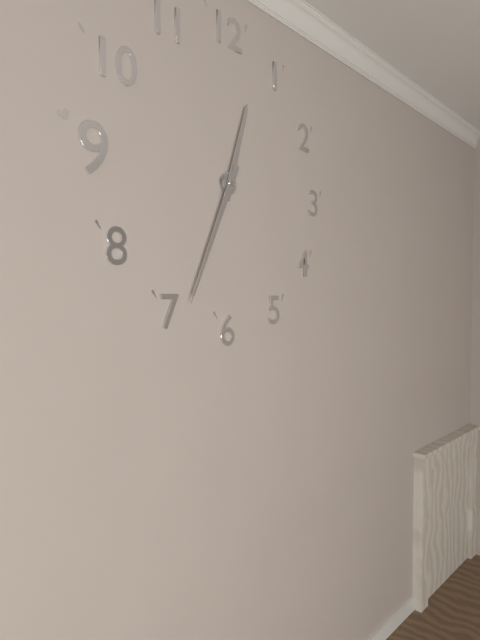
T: 12 h 34 min
